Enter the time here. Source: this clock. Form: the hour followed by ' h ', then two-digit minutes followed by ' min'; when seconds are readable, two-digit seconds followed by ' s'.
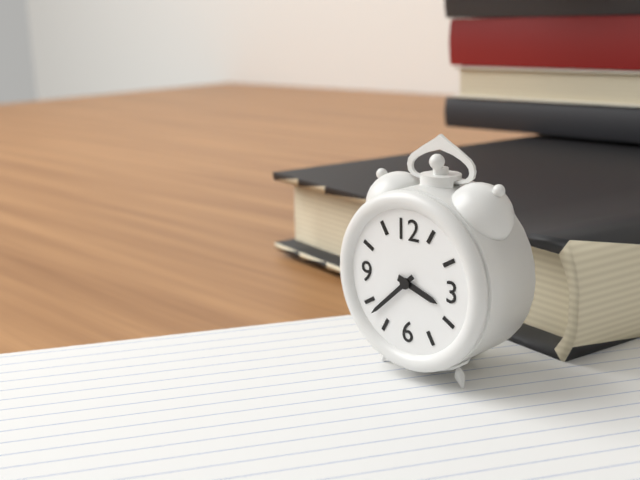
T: 3 h 38 min
